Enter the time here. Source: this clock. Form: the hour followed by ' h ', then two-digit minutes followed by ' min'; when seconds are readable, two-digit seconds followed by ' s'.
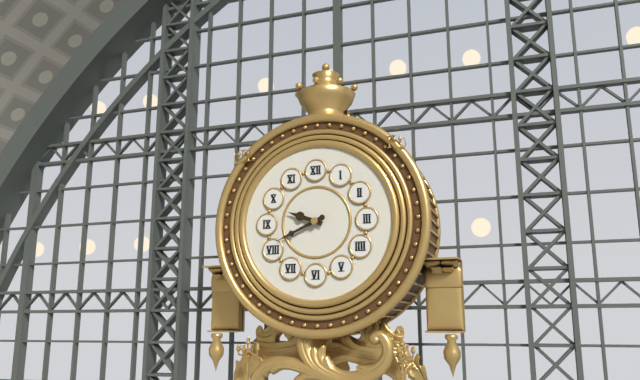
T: 9 h 41 min
